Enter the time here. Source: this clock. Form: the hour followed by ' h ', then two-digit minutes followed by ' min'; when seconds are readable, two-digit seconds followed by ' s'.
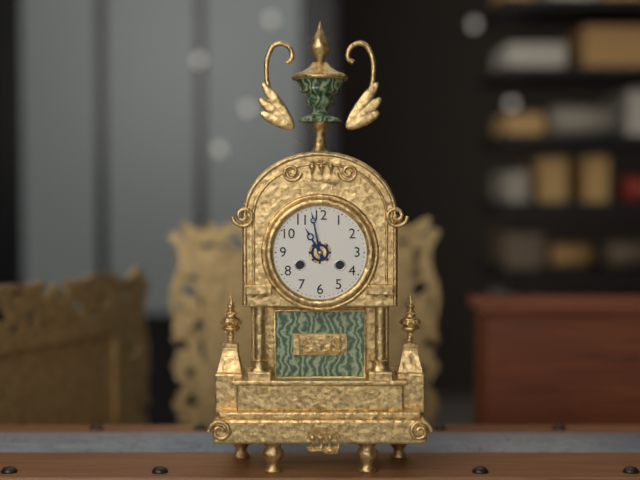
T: 10 h 58 min
